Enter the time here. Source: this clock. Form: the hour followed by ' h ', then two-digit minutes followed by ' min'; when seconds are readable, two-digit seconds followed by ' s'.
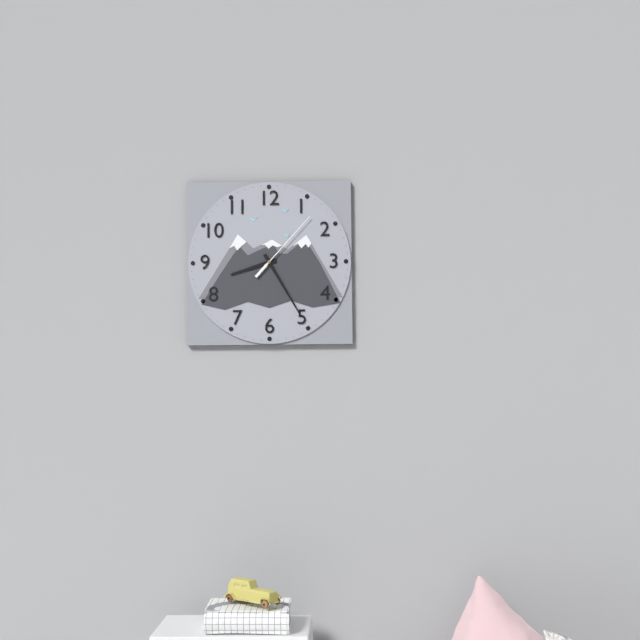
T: 8 h 25 min 07 s
